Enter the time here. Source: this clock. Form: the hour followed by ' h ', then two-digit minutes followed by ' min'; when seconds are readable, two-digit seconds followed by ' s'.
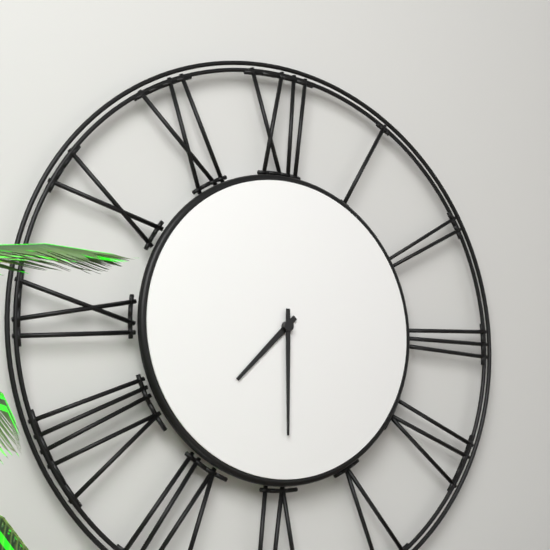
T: 7 h 30 min
